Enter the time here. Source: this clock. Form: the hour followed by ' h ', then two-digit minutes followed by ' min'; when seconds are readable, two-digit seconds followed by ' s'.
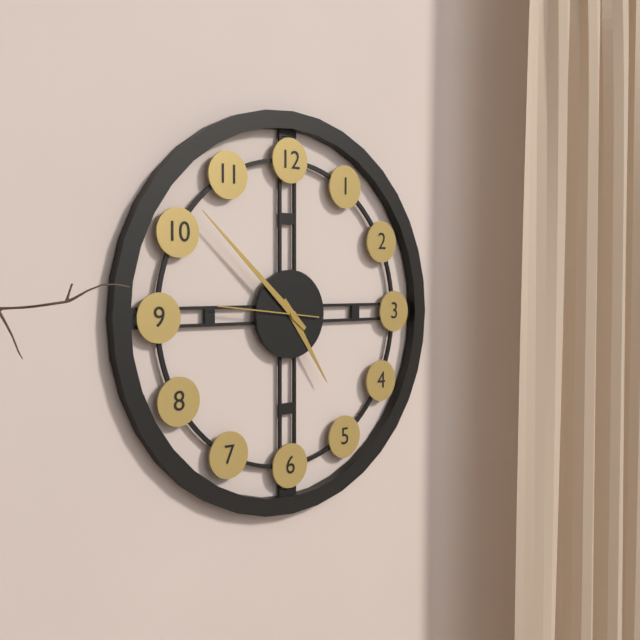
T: 4 h 52 min 46 s
